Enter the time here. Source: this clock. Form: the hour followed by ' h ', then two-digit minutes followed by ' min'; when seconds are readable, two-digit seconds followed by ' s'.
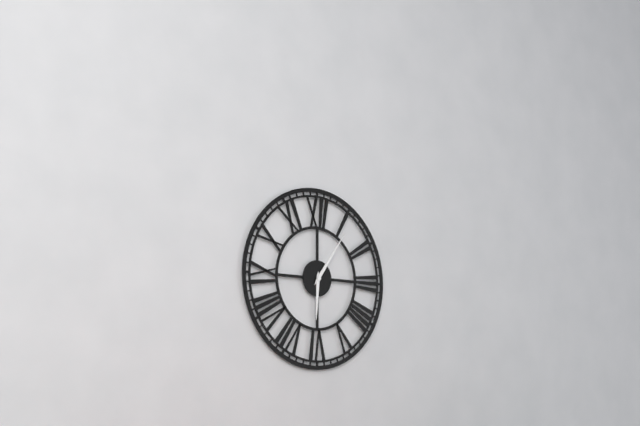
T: 6 h 06 min
